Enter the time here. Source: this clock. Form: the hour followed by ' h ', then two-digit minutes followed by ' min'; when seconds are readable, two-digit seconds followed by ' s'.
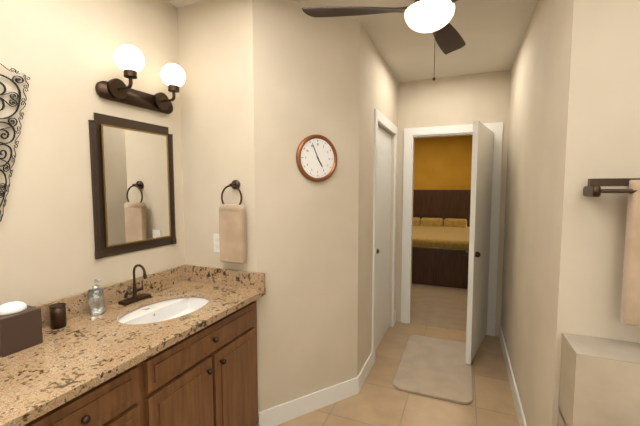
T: 4 h 56 min
